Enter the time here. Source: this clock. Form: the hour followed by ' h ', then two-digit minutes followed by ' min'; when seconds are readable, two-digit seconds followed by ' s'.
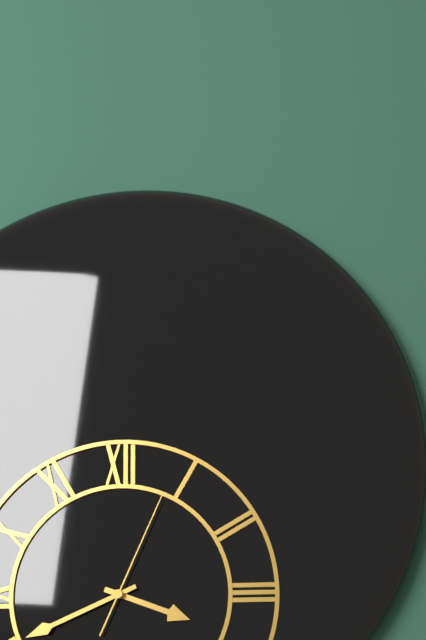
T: 3 h 41 min 04 s
